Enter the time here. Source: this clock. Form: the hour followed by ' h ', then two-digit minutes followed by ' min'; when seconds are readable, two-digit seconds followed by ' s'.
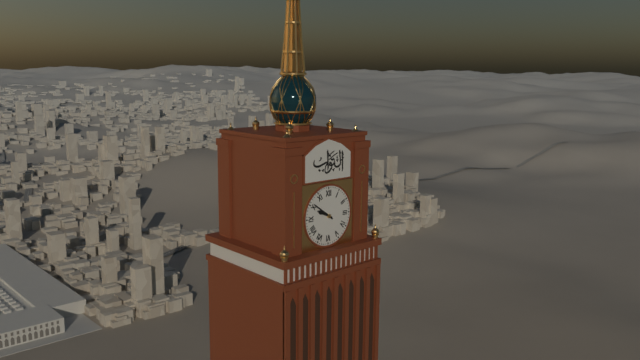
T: 9 h 51 min
